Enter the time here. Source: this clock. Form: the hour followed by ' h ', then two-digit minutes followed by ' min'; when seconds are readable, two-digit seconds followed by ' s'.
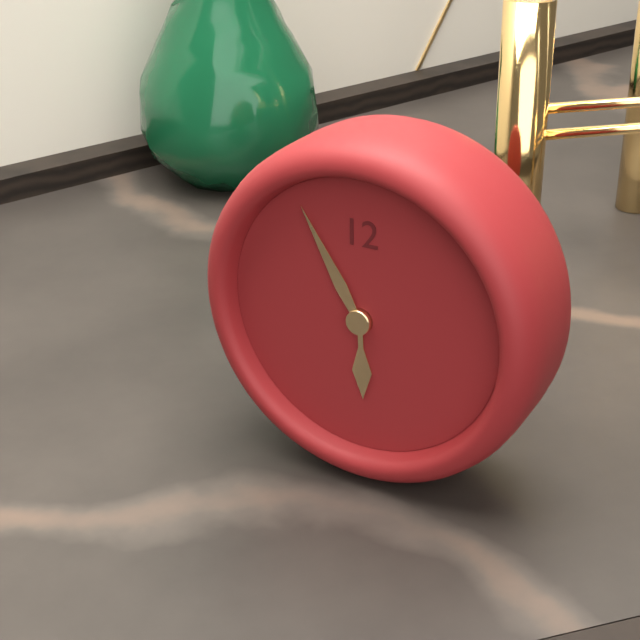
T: 5 h 55 min
